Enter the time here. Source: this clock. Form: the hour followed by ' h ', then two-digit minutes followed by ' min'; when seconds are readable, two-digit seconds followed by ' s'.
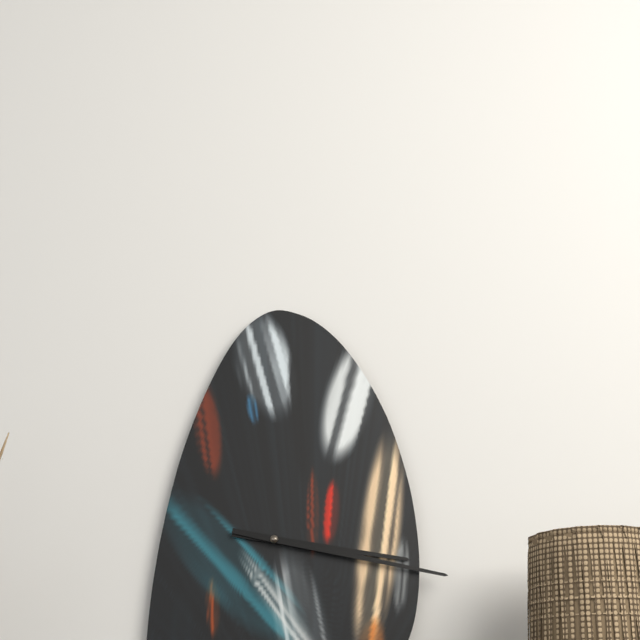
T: 3 h 17 min
